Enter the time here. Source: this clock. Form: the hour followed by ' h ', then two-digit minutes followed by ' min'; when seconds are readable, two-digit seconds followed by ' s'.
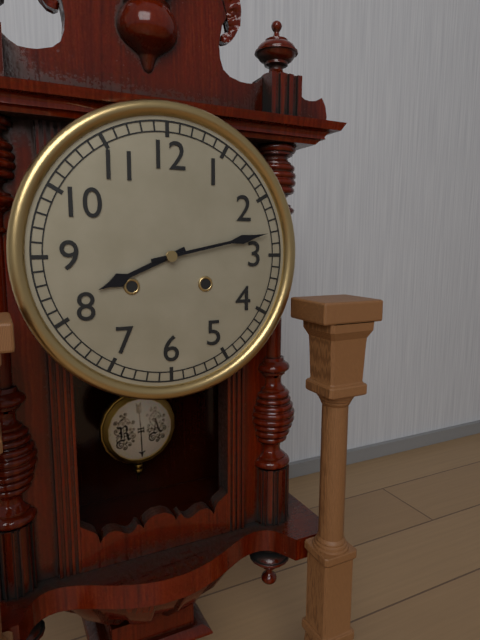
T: 8 h 13 min
